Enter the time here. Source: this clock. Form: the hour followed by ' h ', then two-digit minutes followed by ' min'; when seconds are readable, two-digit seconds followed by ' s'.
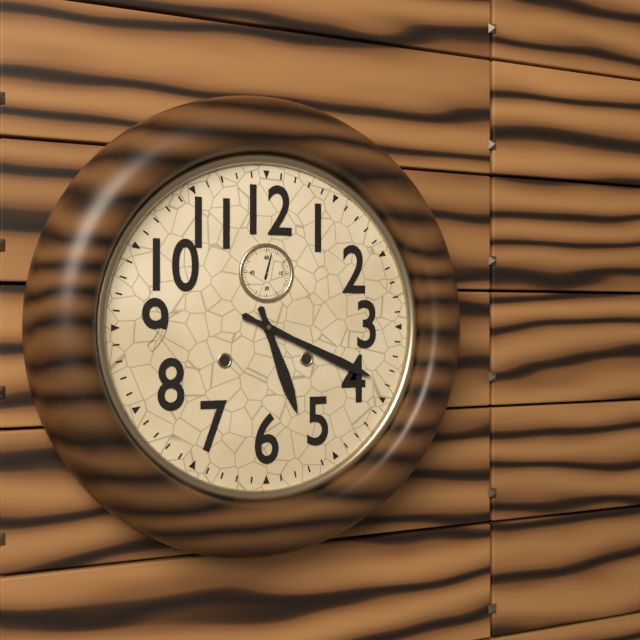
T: 5 h 19 min
